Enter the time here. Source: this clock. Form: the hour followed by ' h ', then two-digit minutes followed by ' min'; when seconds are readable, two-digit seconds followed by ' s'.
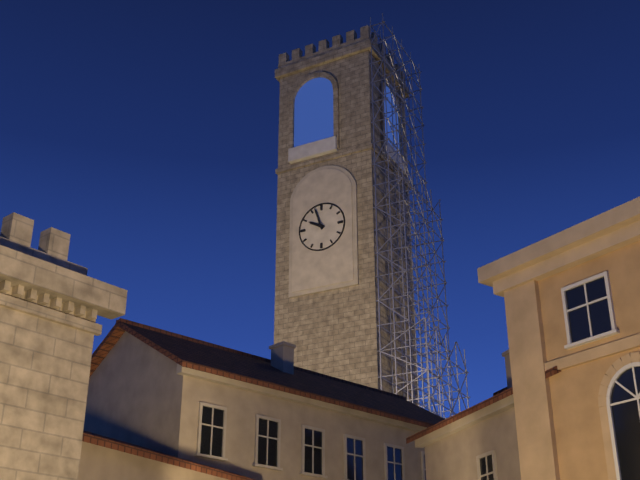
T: 9 h 57 min
